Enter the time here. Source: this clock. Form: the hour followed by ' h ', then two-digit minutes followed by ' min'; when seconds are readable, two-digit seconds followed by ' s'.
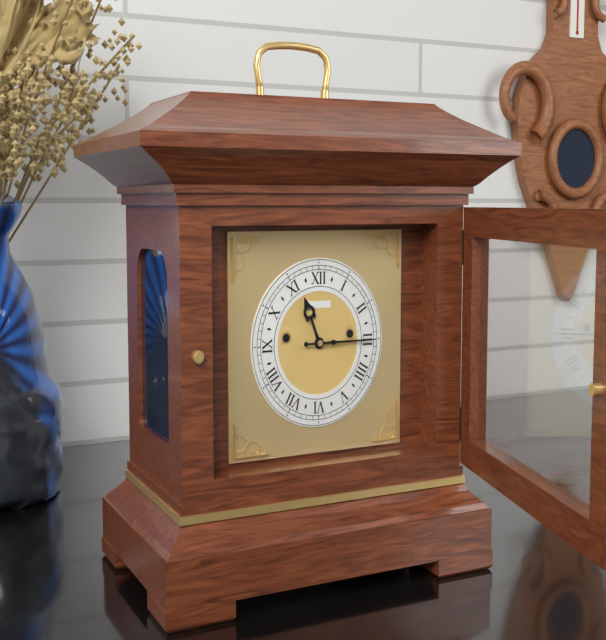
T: 11 h 15 min
